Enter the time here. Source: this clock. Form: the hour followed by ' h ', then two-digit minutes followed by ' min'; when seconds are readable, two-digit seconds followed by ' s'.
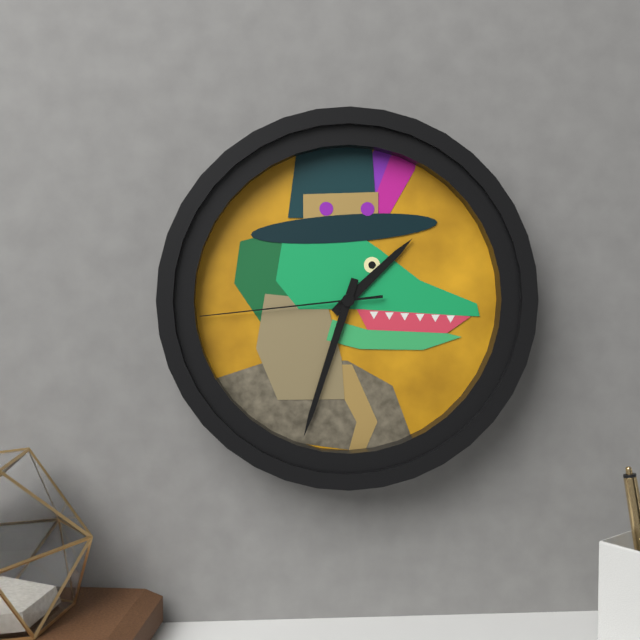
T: 1 h 33 min 44 s
